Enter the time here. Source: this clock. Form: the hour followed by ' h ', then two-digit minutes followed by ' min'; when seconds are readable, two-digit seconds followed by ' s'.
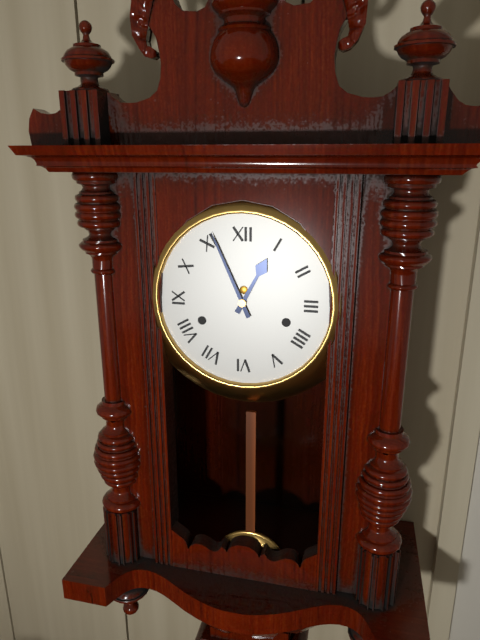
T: 12 h 56 min
